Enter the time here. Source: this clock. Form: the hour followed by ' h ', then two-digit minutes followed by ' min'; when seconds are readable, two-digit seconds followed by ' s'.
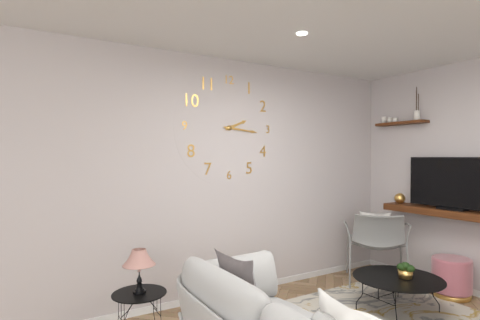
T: 2 h 16 min
